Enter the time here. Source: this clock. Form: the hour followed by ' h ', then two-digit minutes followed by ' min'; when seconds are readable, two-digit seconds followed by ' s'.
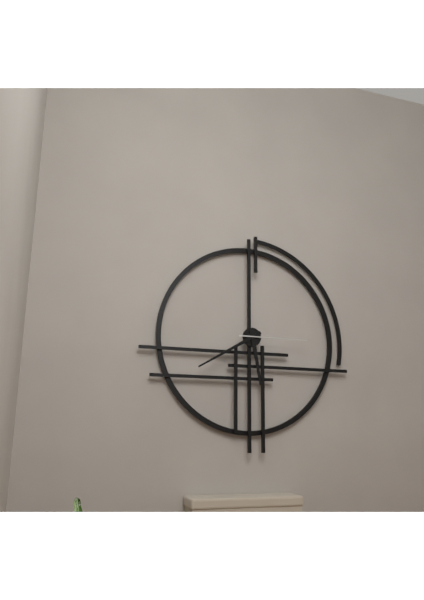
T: 5 h 40 min 15 s
